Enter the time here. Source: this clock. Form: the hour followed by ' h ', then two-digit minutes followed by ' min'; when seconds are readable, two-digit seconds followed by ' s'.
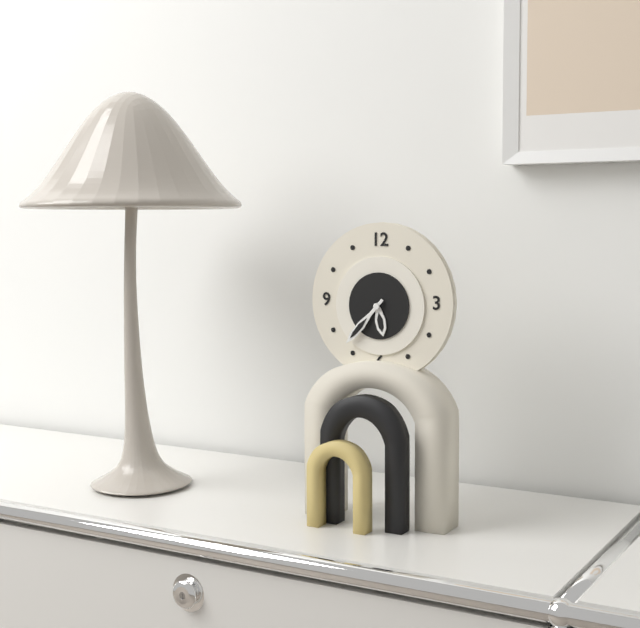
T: 5 h 37 min
